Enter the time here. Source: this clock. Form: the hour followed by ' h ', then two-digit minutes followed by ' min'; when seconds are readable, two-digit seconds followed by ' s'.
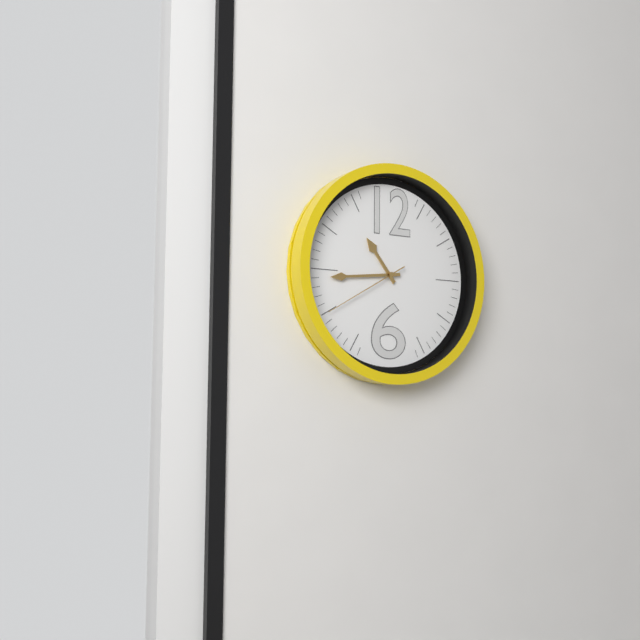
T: 10 h 44 min 40 s
